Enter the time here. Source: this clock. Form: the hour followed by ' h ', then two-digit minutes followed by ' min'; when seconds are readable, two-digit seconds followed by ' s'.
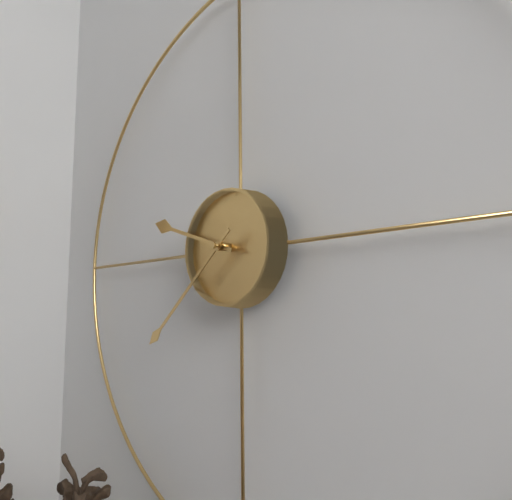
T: 9 h 38 min
